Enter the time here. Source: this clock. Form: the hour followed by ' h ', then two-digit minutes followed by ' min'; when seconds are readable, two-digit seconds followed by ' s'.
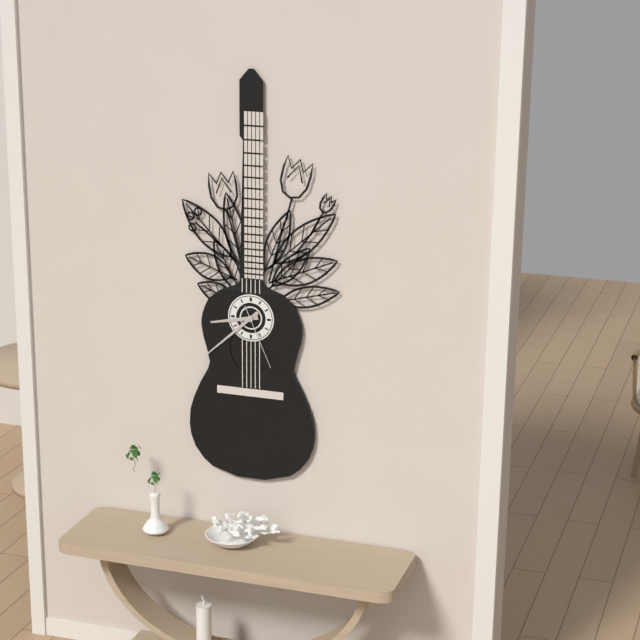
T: 8 h 38 min 26 s
